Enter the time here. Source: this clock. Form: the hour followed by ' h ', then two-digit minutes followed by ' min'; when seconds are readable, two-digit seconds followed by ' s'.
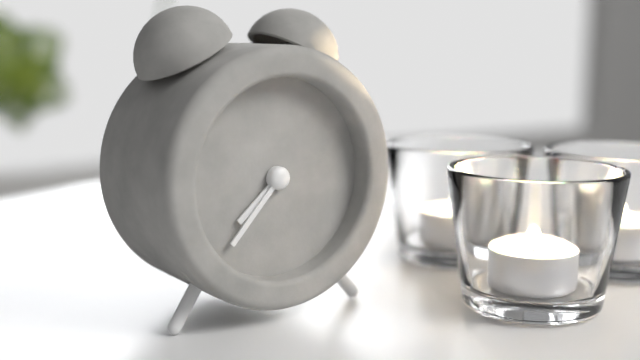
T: 7 h 37 min
